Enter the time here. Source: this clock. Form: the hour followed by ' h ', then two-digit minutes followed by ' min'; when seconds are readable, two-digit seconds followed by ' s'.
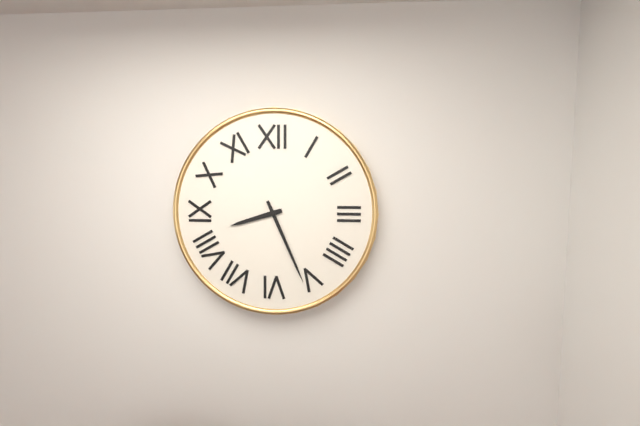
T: 8 h 26 min
